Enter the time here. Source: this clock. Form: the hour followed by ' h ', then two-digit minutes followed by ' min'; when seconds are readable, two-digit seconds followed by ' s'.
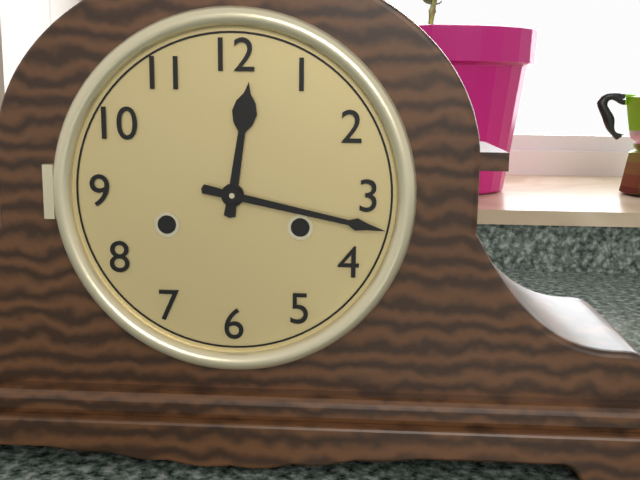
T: 12 h 17 min
